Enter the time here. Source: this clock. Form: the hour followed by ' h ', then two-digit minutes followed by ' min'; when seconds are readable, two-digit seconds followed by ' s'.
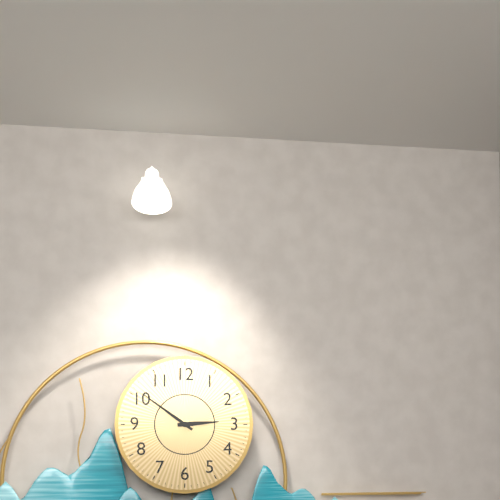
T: 2 h 51 min
